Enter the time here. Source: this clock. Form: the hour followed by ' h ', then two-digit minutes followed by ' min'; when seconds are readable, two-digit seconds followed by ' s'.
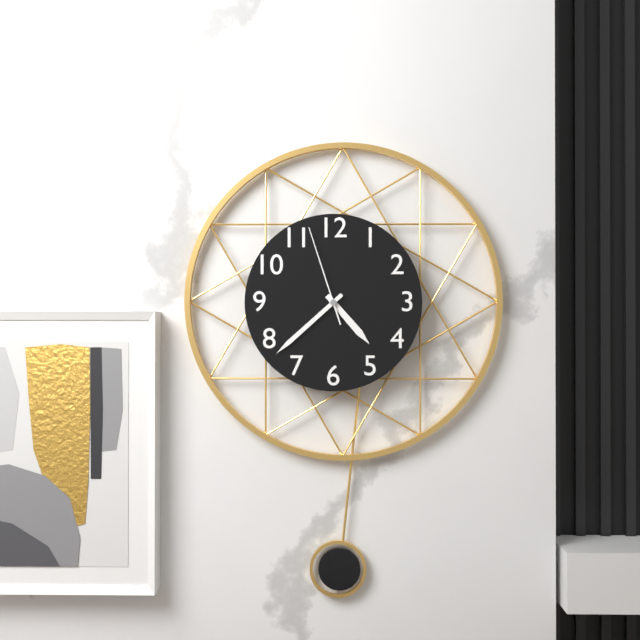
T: 4 h 38 min 57 s
